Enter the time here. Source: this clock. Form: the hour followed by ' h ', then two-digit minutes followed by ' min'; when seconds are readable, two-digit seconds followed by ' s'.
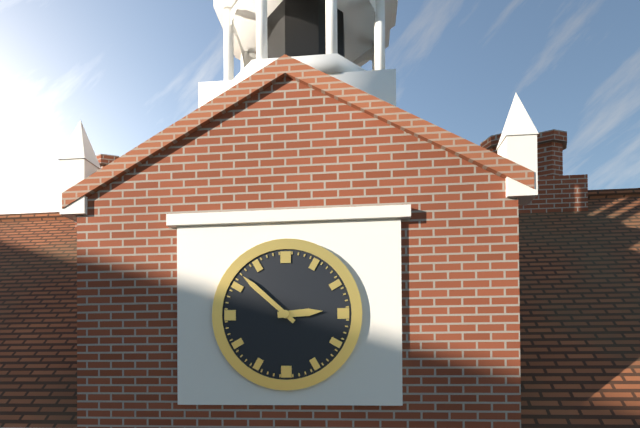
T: 2 h 52 min
